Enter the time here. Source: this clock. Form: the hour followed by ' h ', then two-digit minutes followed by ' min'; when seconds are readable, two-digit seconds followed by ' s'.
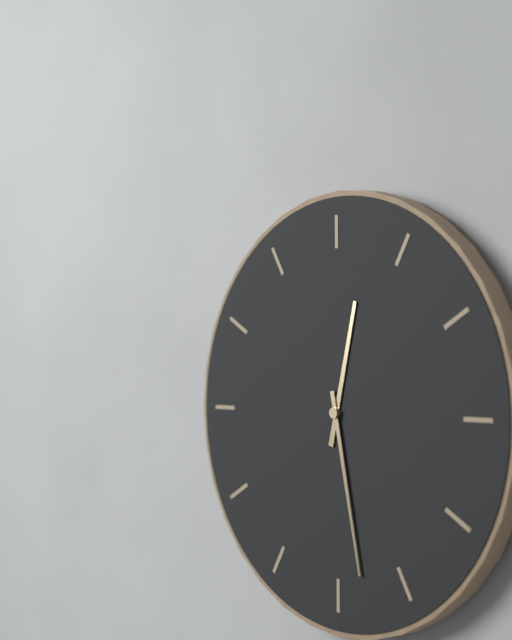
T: 12 h 28 min
